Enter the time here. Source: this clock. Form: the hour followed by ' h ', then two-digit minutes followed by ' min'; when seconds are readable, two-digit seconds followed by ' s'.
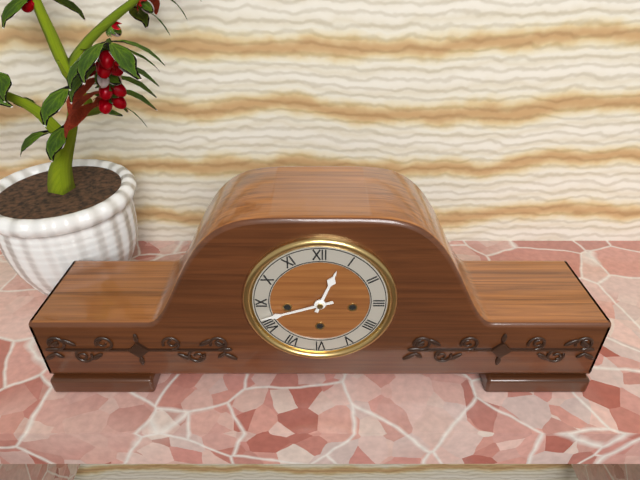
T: 12 h 42 min
